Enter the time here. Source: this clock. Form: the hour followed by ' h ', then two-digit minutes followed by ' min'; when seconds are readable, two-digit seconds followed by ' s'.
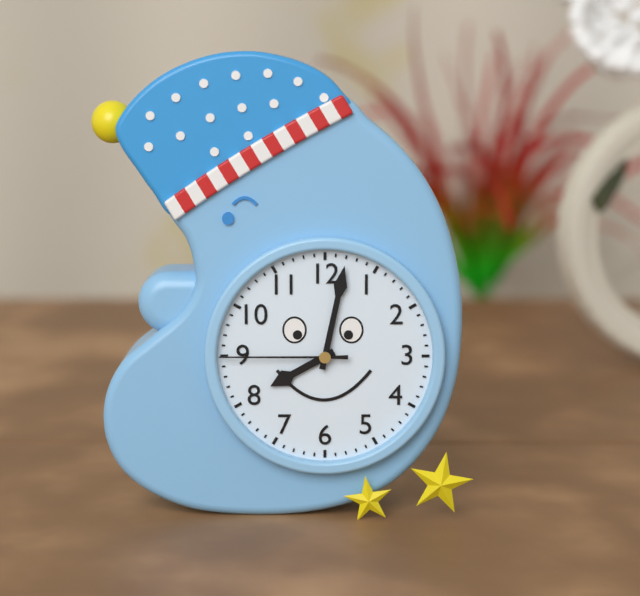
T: 8 h 02 min 45 s
